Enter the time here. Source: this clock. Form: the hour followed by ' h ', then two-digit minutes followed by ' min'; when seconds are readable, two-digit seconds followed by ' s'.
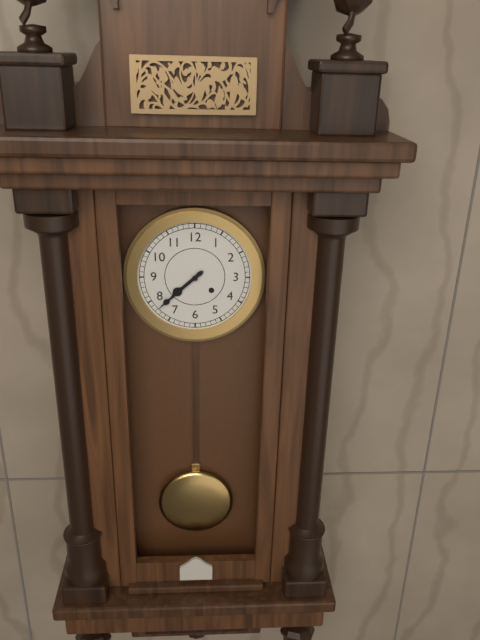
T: 7 h 38 min
